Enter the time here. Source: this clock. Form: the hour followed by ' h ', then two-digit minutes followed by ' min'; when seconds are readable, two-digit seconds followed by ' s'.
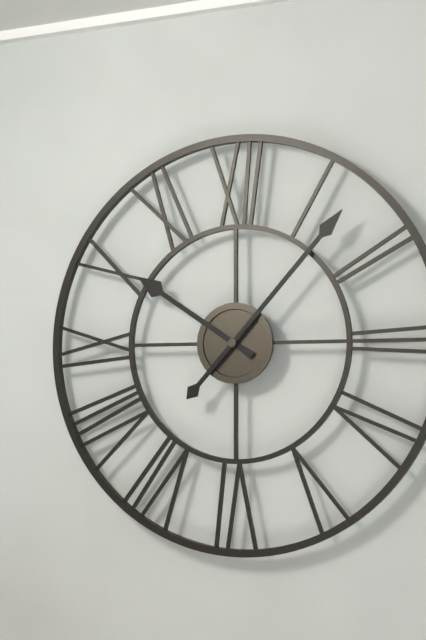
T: 10 h 07 min
